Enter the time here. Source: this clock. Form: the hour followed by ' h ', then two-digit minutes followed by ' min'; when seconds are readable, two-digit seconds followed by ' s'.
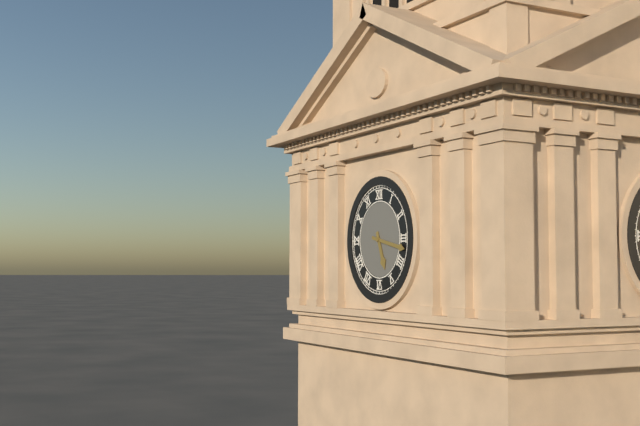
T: 5 h 17 min
